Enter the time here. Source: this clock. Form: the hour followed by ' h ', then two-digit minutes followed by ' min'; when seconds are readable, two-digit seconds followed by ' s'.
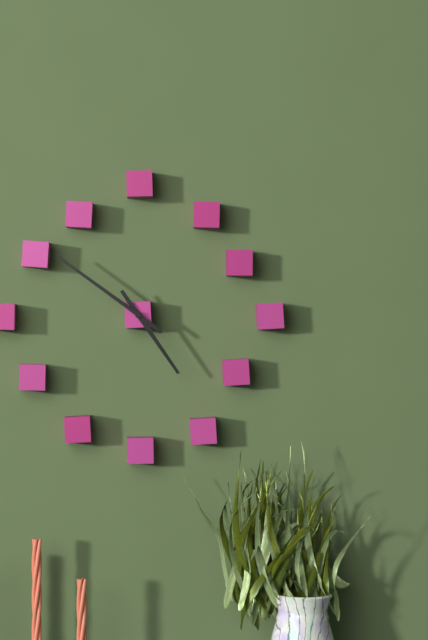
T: 4 h 51 min
